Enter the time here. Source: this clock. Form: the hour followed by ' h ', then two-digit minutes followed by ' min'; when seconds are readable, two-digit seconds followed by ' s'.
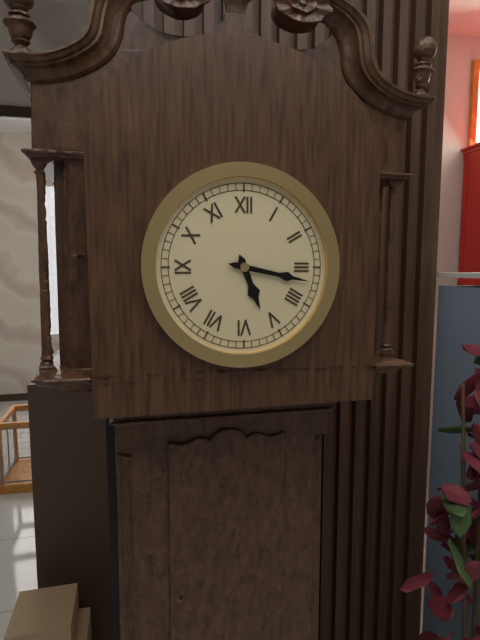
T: 5 h 17 min
